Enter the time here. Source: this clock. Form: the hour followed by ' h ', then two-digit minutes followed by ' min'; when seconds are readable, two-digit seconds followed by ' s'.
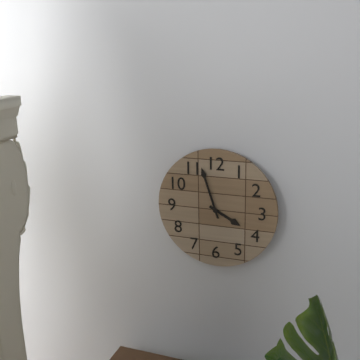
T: 3 h 57 min
